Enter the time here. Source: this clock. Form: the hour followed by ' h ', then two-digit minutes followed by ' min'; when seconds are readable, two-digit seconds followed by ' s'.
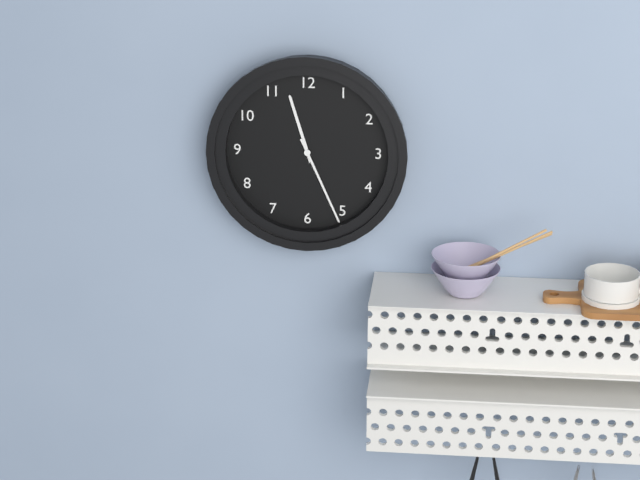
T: 11 h 26 min
